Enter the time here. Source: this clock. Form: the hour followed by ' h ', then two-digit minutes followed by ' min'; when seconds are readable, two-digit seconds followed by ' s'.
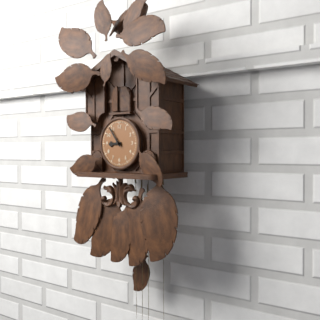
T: 8 h 54 min
